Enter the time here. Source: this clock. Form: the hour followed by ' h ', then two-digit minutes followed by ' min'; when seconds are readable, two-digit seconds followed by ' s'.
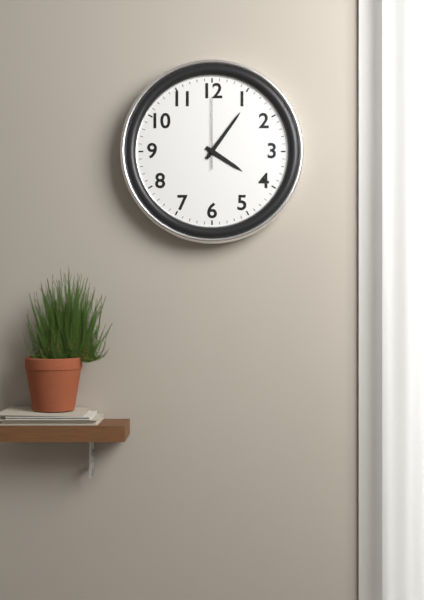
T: 4 h 06 min 00 s
